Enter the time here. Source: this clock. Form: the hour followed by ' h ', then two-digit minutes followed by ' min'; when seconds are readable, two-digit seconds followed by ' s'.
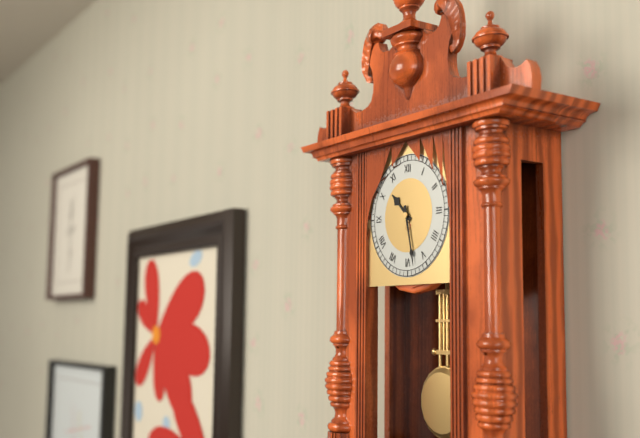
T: 10 h 28 min
